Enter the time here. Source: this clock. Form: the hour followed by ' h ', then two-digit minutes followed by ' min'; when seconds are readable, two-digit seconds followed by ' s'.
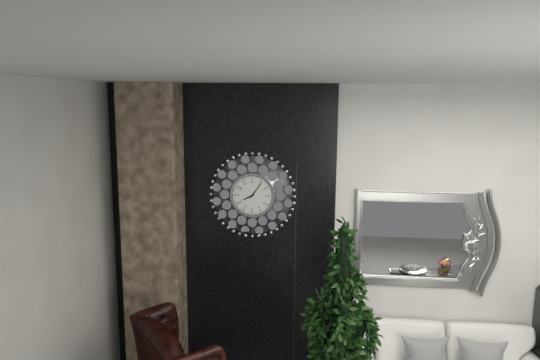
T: 8 h 06 min
